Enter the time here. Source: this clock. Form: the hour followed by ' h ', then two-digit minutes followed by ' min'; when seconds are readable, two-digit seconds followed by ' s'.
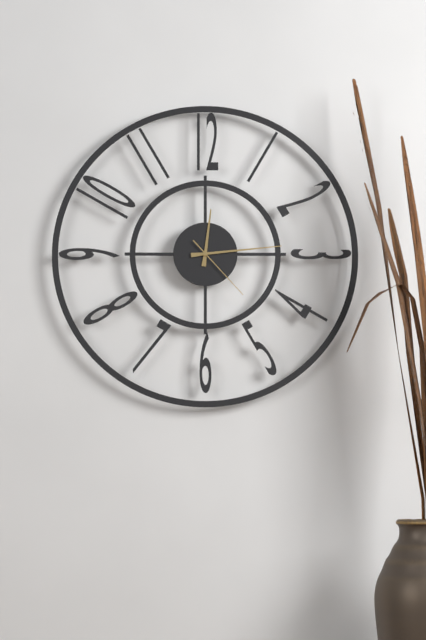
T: 12 h 14 min 23 s
